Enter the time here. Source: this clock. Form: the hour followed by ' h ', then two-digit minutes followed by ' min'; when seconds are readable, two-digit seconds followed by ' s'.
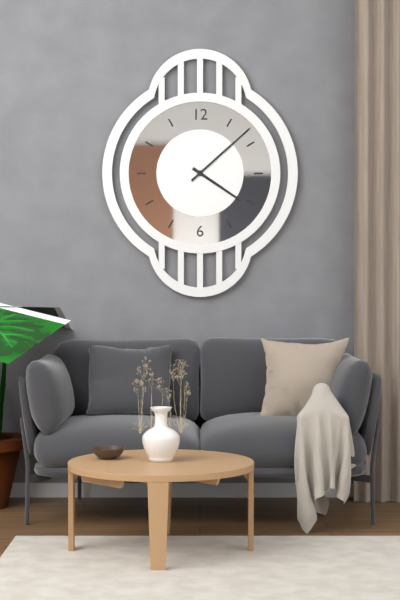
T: 4 h 08 min
